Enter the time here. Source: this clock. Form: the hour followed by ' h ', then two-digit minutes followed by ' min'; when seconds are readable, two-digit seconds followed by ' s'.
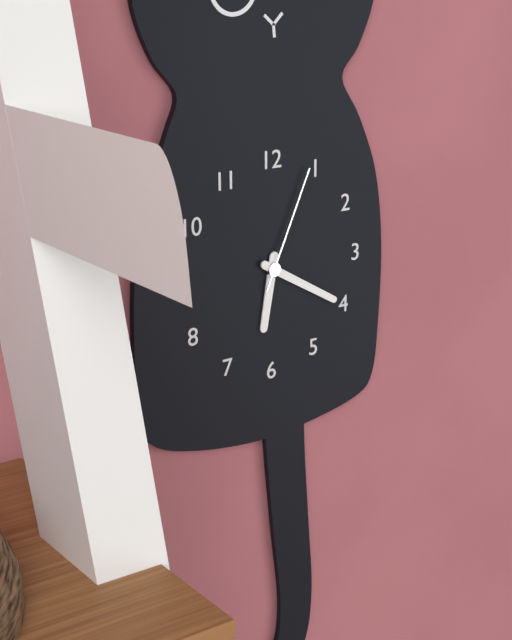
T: 6 h 20 min 04 s
